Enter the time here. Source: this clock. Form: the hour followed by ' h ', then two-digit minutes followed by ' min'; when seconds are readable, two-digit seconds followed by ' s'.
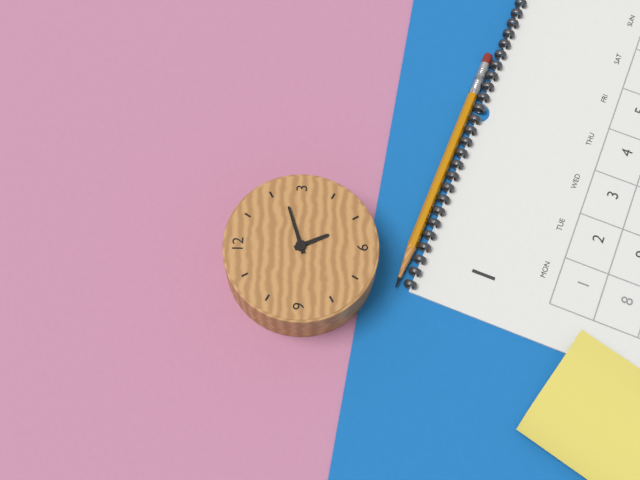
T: 5 h 12 min
